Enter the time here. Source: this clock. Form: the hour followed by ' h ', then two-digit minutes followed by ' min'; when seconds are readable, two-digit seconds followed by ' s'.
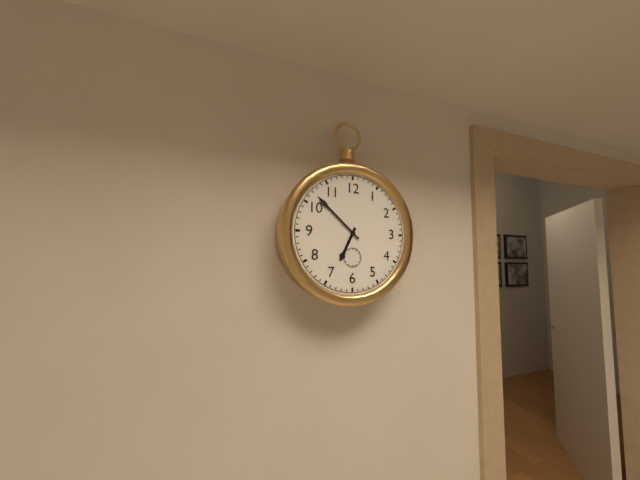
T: 6 h 52 min
